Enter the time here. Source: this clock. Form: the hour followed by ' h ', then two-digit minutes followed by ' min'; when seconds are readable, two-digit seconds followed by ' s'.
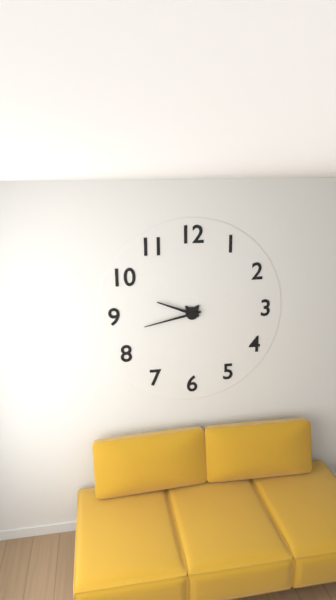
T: 9 h 43 min
